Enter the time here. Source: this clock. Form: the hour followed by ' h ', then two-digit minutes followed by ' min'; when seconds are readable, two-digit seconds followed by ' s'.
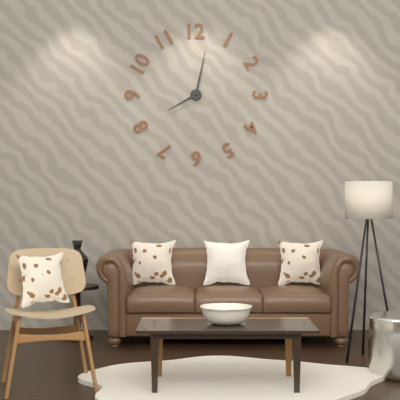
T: 8 h 02 min
